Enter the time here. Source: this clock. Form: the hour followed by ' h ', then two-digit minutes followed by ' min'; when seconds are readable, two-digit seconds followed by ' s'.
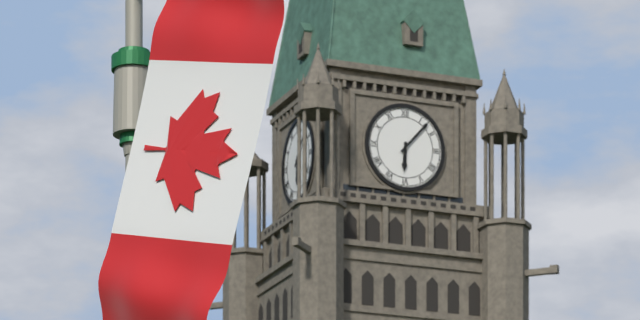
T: 6 h 07 min
